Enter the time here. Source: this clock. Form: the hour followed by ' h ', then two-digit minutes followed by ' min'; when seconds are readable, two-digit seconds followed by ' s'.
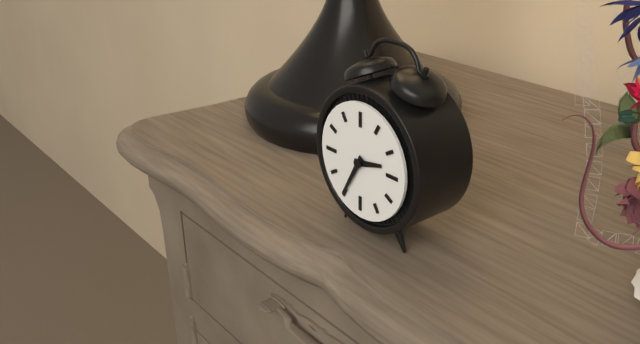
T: 2 h 35 min
